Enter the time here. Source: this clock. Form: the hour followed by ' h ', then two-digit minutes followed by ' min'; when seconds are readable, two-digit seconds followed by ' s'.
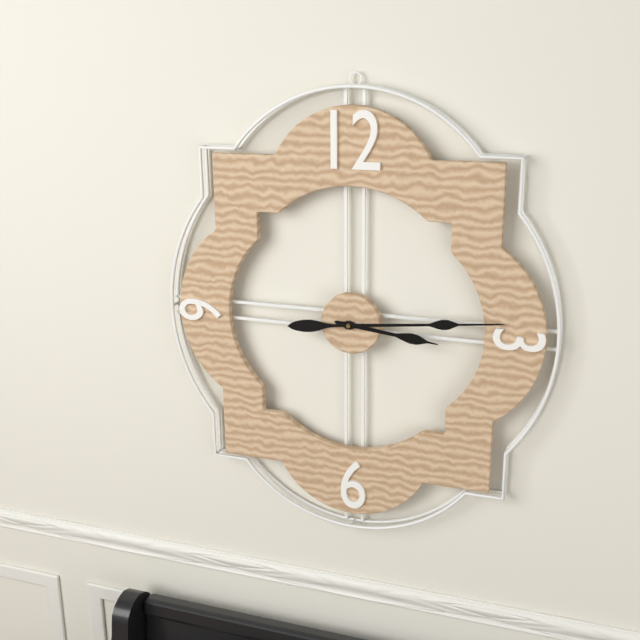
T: 3 h 14 min
